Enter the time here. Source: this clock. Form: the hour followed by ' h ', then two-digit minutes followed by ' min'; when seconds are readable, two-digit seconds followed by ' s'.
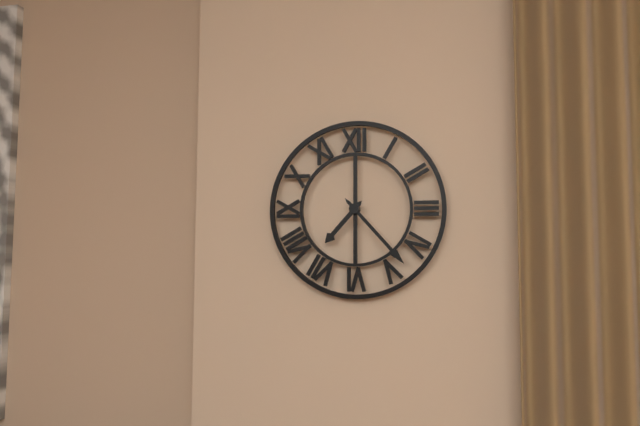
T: 7 h 23 min
